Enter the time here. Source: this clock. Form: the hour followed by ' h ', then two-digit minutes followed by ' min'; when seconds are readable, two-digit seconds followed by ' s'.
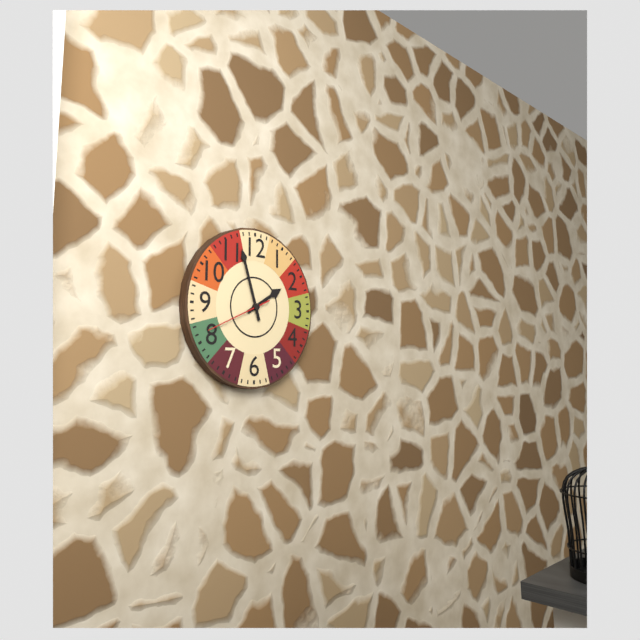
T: 1 h 57 min 41 s
